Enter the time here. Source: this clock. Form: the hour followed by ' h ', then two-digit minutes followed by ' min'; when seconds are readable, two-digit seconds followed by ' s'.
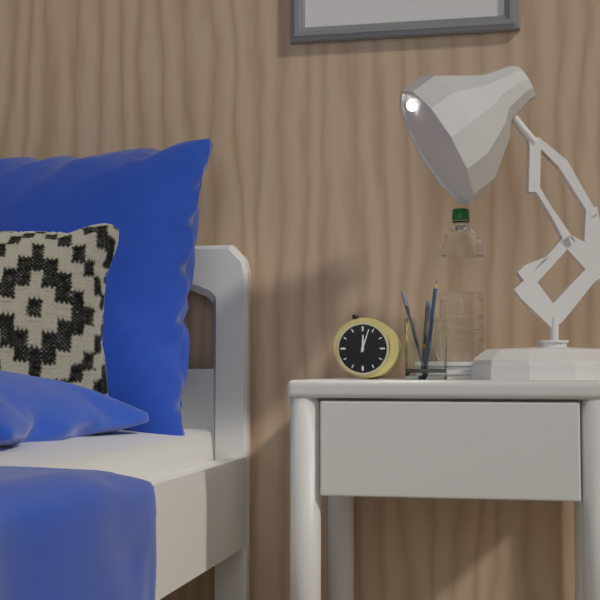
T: 12 h 03 min
